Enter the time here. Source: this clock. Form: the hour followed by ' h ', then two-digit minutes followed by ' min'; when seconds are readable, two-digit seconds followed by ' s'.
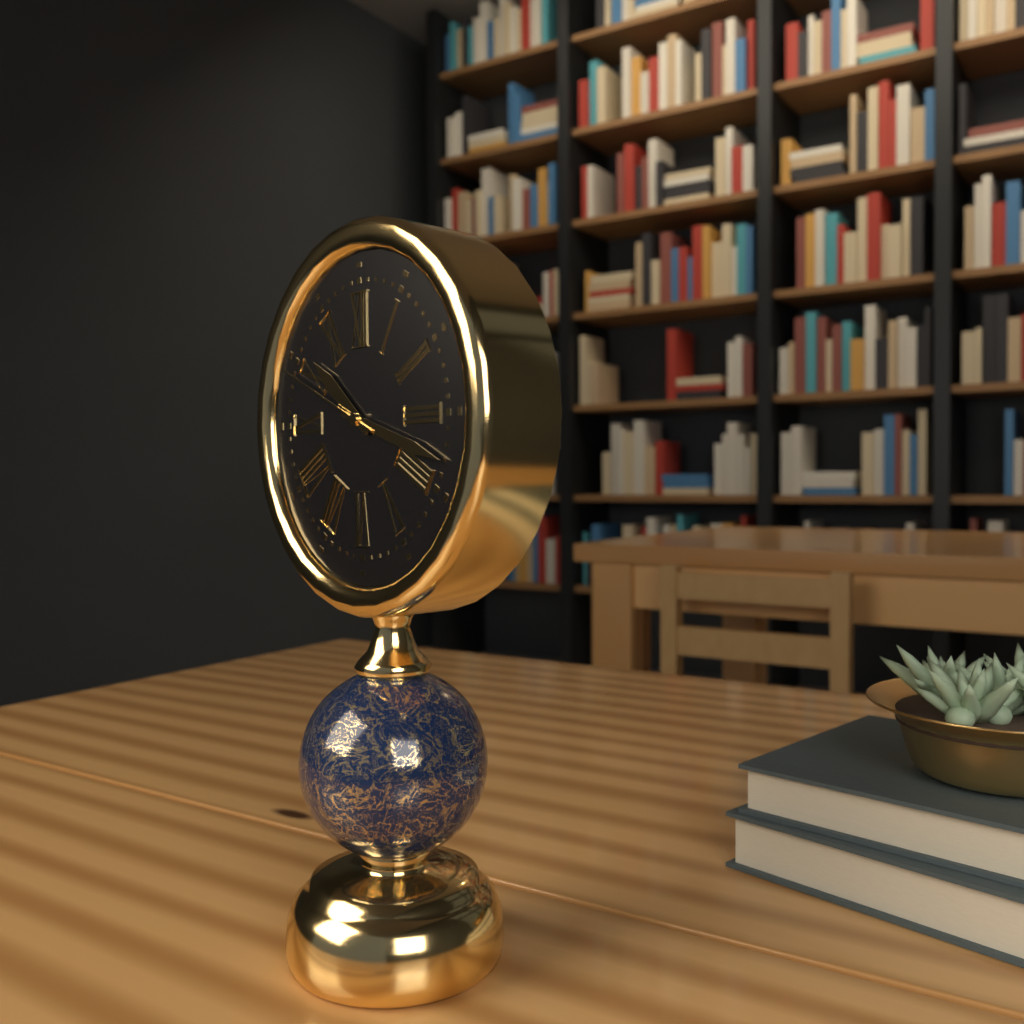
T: 10 h 18 min 49 s
